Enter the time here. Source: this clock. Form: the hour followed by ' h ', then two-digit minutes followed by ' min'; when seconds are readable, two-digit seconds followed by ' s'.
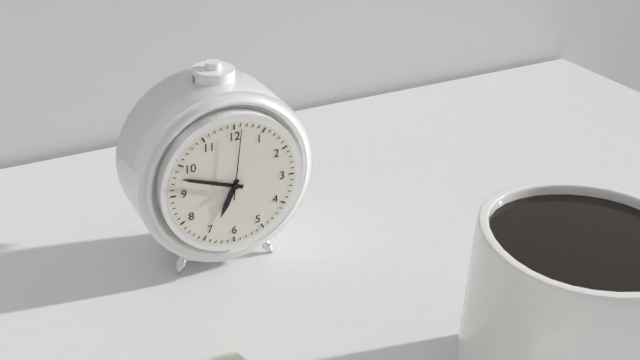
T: 6 h 48 min 01 s
